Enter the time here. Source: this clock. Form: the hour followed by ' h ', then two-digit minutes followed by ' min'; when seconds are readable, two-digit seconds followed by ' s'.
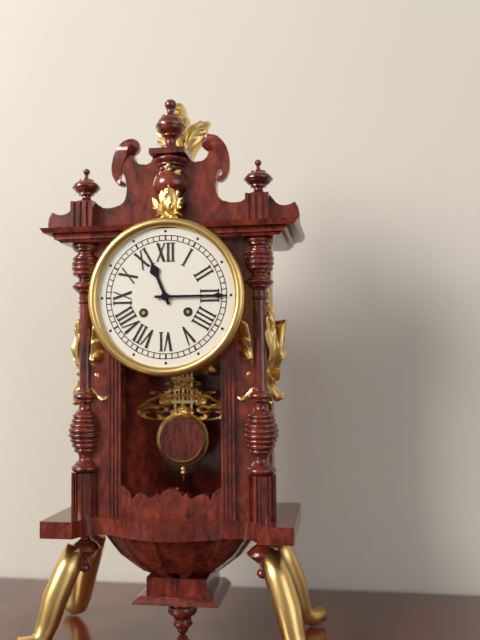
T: 11 h 15 min
